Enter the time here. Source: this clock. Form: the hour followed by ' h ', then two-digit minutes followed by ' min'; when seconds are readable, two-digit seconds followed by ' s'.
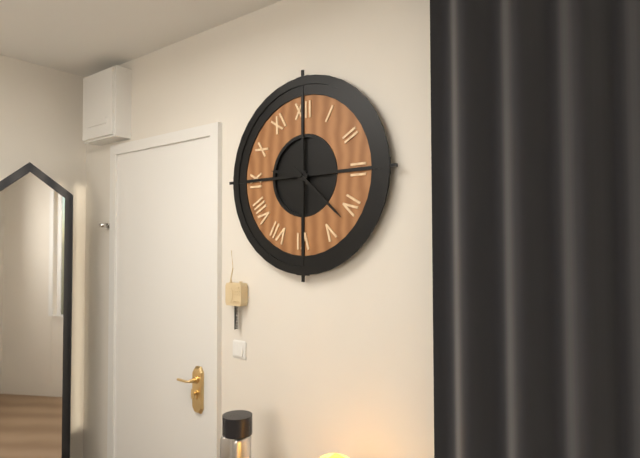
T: 9 h 22 min
